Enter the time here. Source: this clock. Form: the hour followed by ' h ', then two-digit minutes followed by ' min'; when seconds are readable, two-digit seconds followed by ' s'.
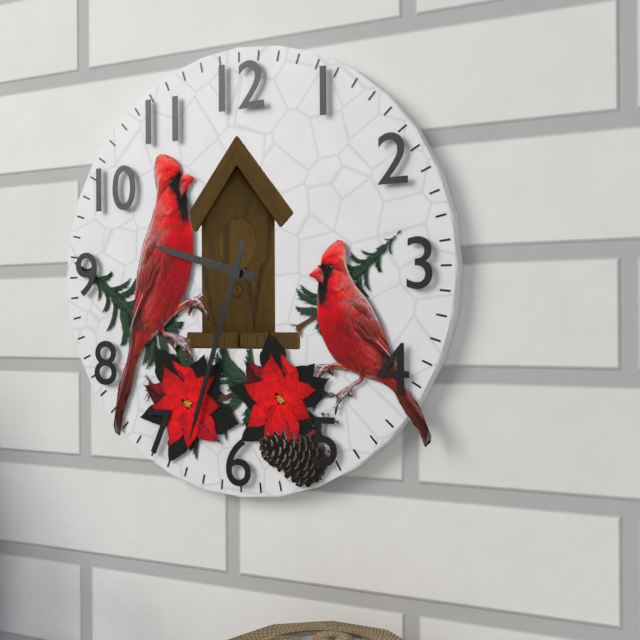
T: 9 h 33 min
